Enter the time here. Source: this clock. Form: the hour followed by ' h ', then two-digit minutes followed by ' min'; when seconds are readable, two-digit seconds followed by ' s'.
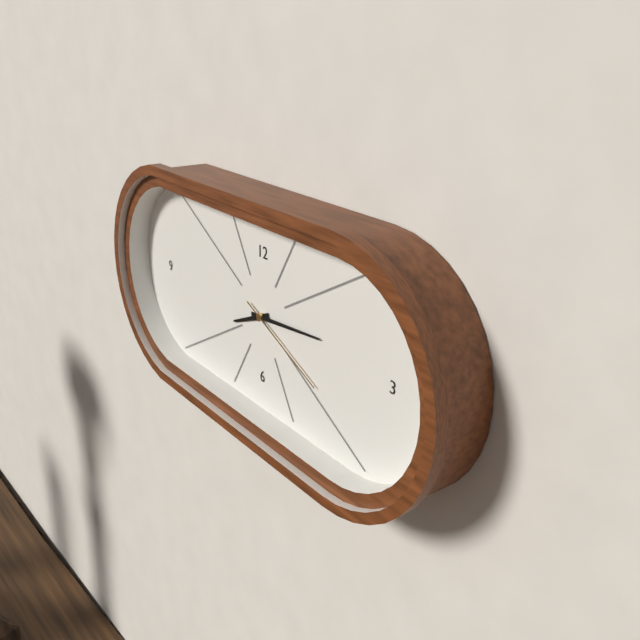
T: 8 h 14 min 19 s
